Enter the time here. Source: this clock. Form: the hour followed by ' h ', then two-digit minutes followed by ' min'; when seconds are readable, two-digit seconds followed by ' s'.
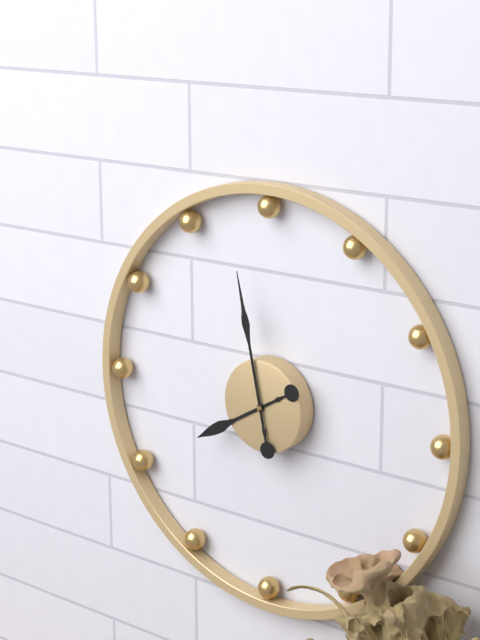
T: 7 h 58 min
